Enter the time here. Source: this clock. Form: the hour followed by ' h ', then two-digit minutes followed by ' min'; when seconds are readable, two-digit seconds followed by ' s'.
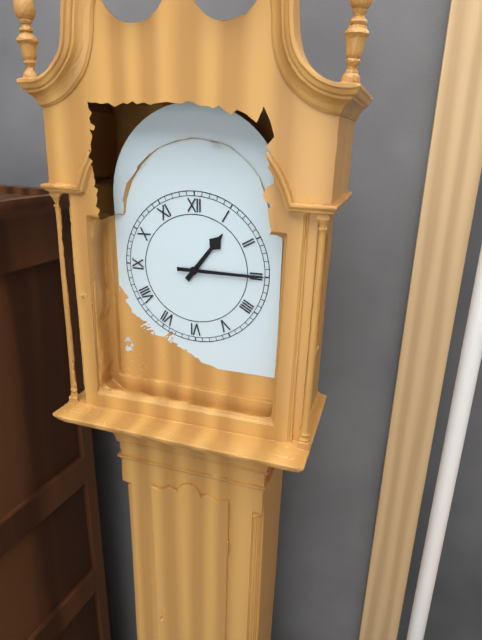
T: 1 h 15 min
